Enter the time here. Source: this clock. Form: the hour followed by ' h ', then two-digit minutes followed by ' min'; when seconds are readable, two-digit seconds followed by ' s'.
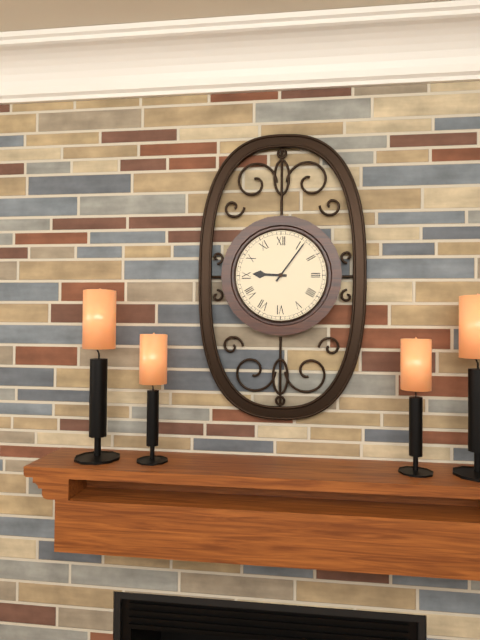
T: 9 h 06 min
